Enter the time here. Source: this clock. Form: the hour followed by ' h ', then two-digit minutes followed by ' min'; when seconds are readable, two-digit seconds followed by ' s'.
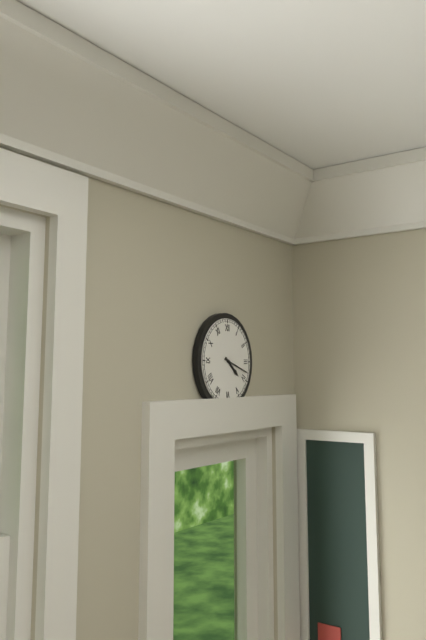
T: 4 h 18 min
